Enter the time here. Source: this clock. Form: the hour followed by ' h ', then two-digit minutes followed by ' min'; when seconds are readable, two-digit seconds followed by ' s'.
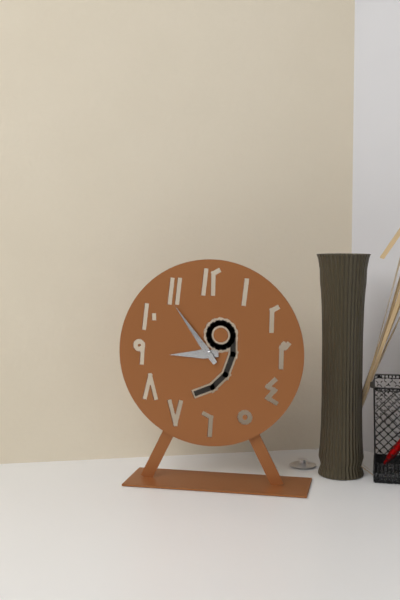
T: 8 h 54 min
